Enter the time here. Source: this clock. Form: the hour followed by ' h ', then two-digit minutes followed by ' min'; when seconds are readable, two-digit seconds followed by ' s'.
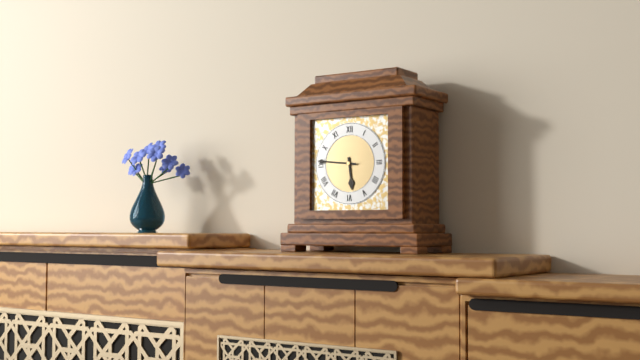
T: 5 h 46 min
